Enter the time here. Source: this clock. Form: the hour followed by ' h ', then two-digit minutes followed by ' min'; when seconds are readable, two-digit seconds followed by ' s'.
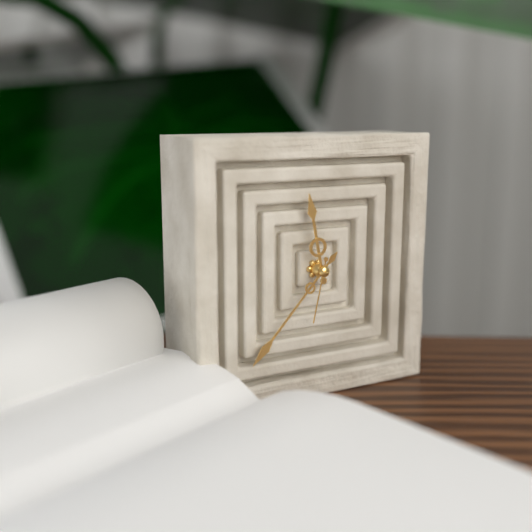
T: 11 h 37 min 32 s
